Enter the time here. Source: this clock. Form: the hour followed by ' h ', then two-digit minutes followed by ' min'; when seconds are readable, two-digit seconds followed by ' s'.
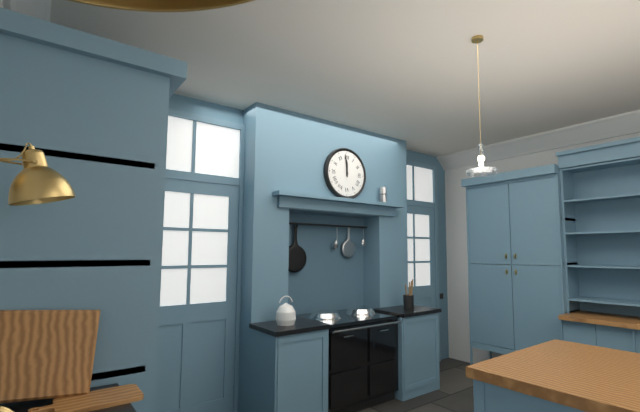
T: 11 h 59 min
